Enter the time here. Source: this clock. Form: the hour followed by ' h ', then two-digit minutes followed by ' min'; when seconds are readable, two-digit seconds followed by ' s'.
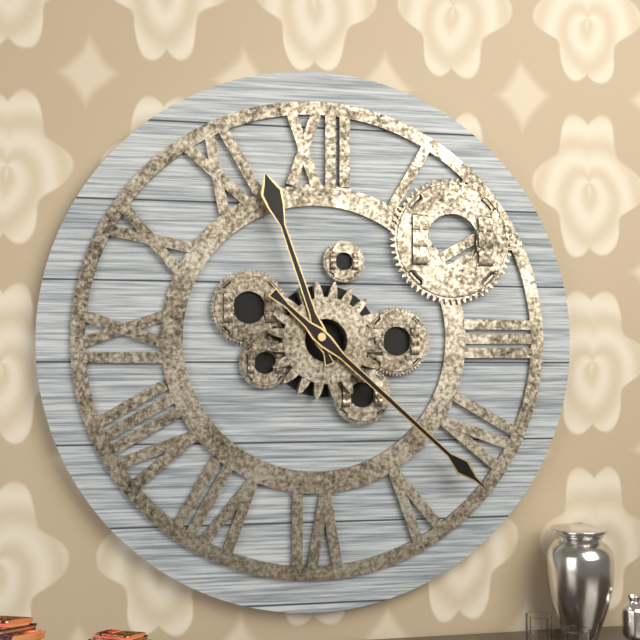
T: 11 h 22 min
